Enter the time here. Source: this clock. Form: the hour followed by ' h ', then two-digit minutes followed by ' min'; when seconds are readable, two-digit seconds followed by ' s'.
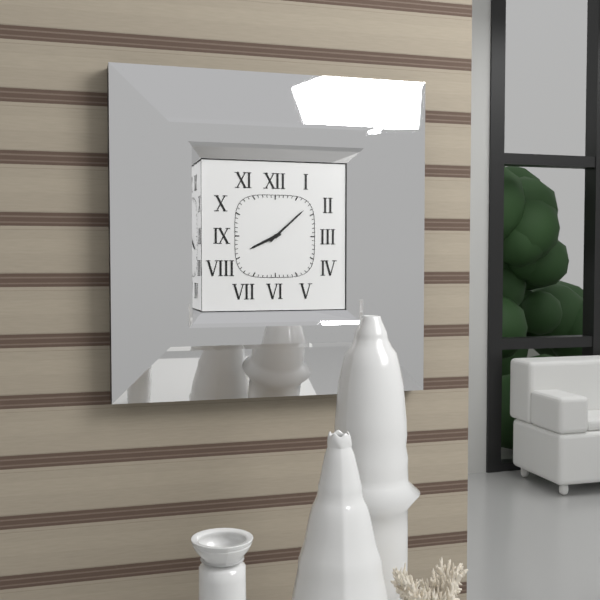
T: 8 h 08 min
